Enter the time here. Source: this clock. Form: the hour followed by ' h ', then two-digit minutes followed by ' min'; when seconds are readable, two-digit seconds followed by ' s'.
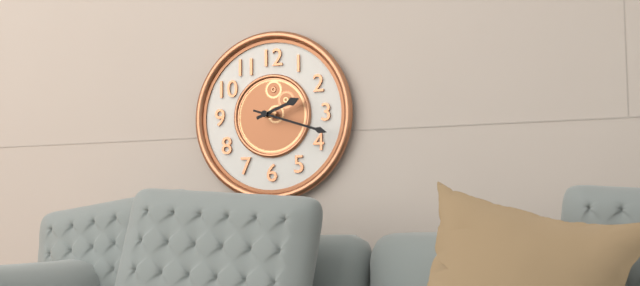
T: 2 h 18 min
